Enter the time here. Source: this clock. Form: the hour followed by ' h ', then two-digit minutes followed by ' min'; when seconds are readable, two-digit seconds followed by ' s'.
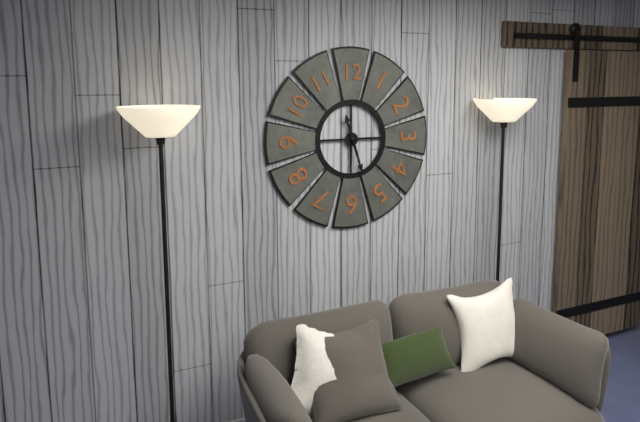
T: 11 h 27 min
